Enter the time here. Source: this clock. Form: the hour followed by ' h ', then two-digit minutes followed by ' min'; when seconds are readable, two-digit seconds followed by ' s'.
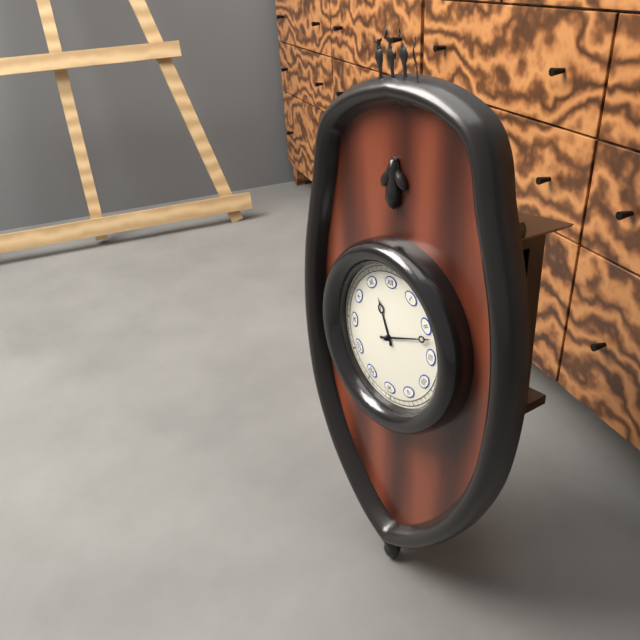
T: 11 h 12 min
